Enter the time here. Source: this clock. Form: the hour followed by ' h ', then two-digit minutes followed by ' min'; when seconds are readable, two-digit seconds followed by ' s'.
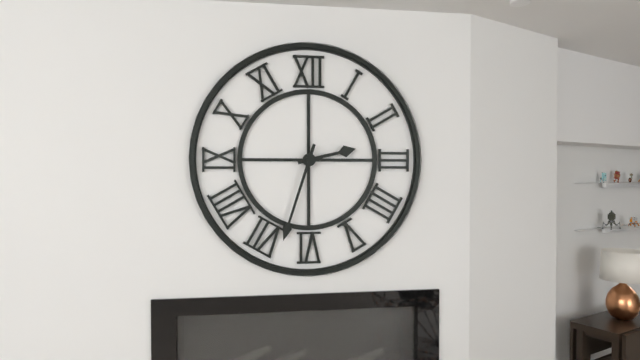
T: 2 h 33 min
